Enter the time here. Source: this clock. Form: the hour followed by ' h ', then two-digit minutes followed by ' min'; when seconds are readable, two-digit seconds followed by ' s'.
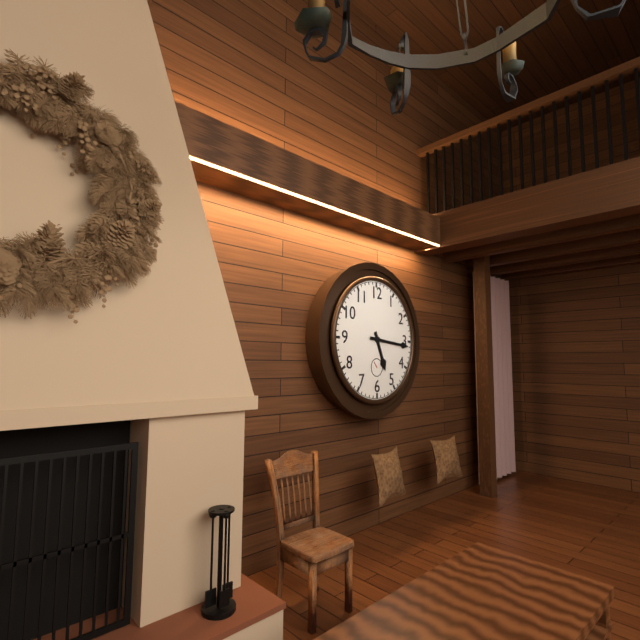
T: 5 h 16 min
